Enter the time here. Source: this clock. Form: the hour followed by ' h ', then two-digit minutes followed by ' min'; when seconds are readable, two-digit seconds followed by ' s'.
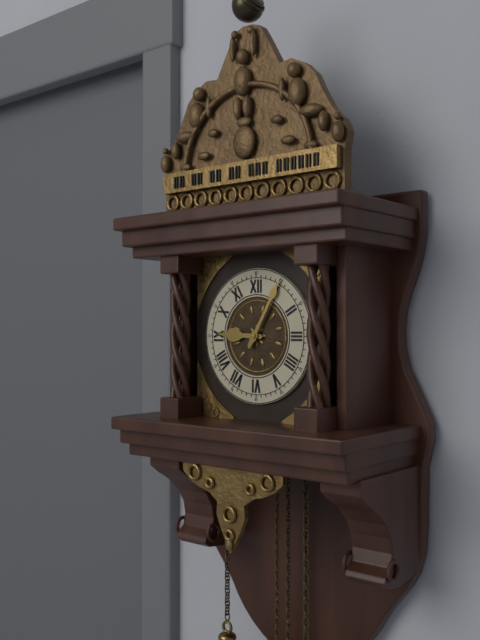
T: 9 h 05 min
